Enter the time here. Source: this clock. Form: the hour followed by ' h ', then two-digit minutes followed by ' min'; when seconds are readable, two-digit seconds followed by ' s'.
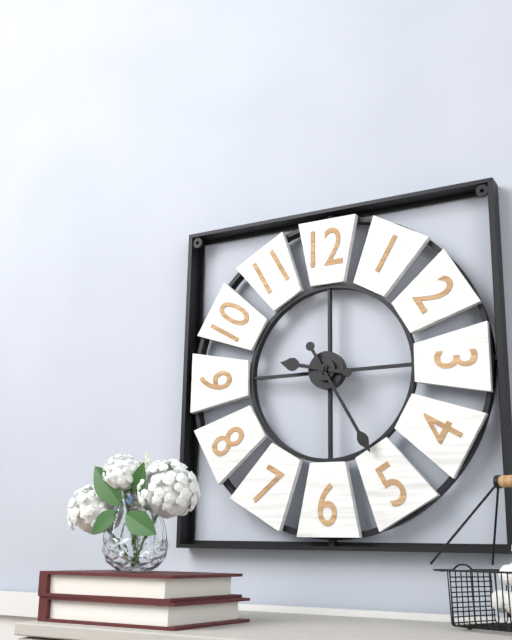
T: 9 h 25 min
